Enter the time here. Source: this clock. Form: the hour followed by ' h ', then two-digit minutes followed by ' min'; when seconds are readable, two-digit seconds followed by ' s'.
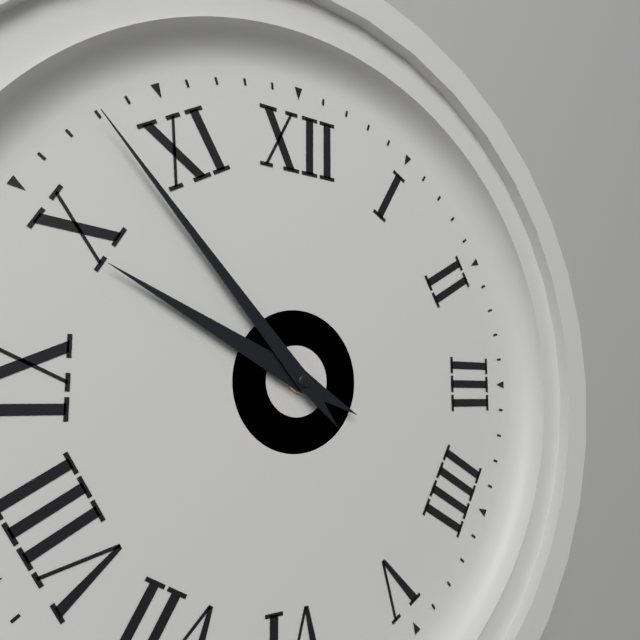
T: 9 h 53 min
